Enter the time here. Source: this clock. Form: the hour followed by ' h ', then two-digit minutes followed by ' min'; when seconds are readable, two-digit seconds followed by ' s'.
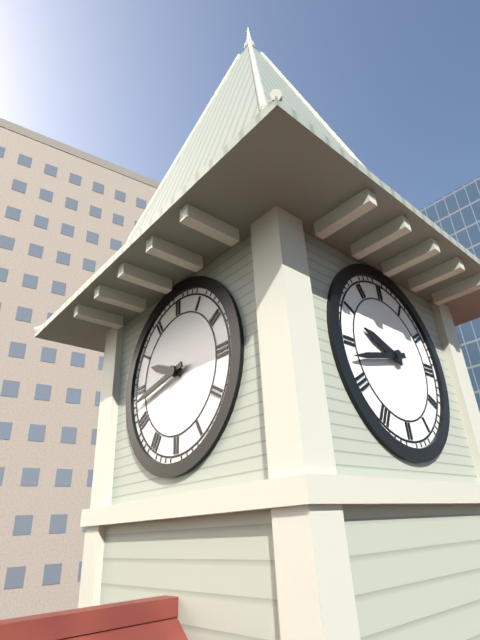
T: 9 h 43 min
